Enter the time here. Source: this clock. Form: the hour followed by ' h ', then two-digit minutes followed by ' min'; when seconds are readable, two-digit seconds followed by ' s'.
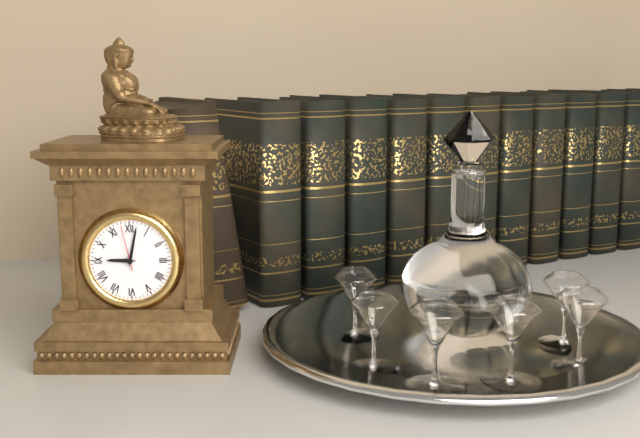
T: 9 h 02 min
